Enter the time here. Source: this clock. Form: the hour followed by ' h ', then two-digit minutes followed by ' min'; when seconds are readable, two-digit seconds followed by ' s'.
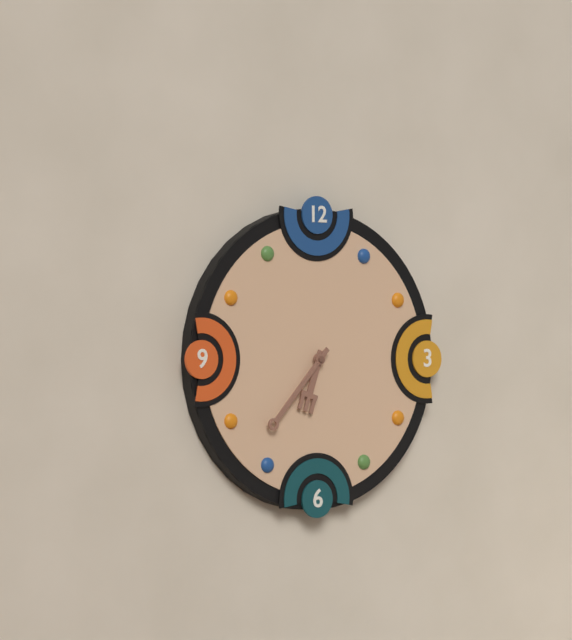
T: 6 h 37 min
